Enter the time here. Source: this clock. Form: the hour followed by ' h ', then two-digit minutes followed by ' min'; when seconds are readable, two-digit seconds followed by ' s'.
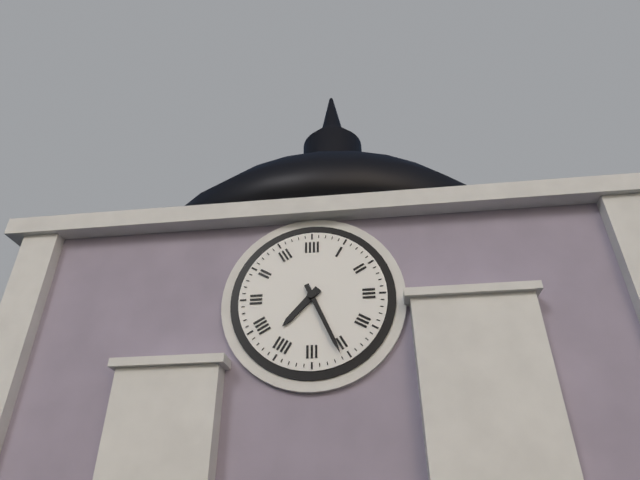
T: 7 h 26 min
